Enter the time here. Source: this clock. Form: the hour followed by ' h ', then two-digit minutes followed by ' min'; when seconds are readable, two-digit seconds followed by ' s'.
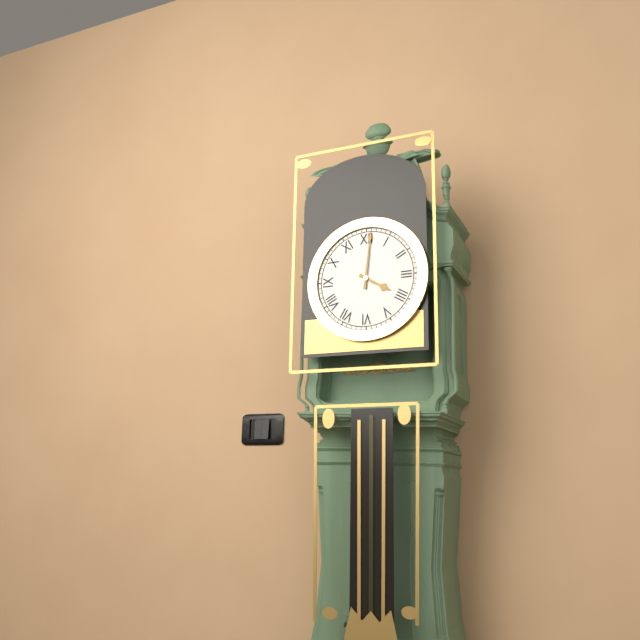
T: 4 h 01 min
